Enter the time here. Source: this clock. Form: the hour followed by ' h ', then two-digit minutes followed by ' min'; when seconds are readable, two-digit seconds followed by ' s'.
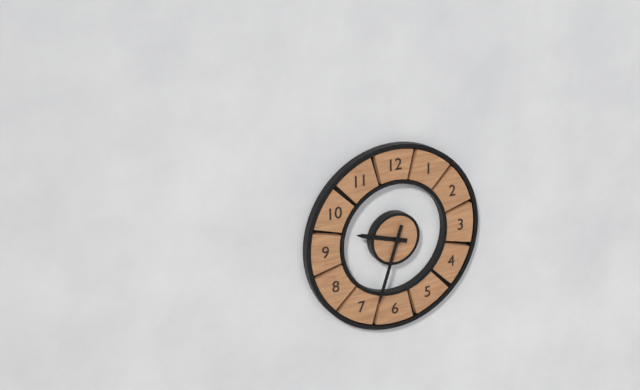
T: 9 h 33 min
